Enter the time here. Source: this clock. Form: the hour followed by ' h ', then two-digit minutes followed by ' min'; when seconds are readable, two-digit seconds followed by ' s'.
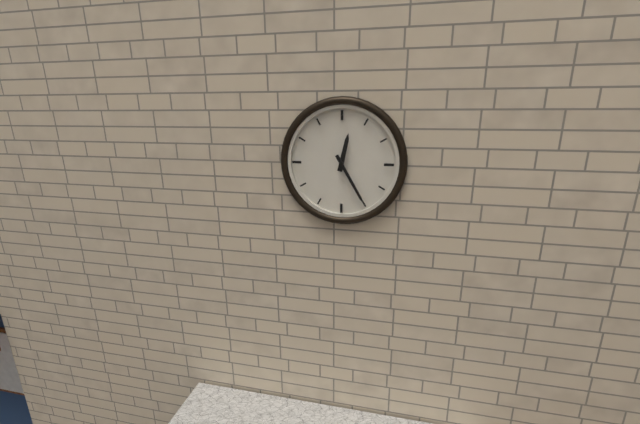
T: 12 h 25 min
